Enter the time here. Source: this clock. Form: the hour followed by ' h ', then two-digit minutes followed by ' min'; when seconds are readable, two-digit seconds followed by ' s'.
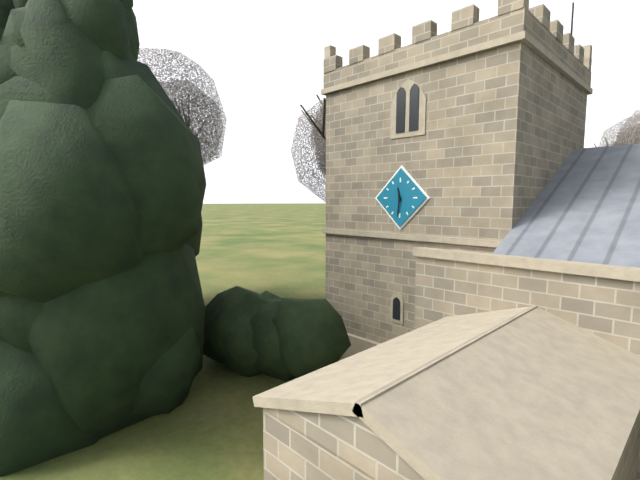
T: 11 h 31 min
